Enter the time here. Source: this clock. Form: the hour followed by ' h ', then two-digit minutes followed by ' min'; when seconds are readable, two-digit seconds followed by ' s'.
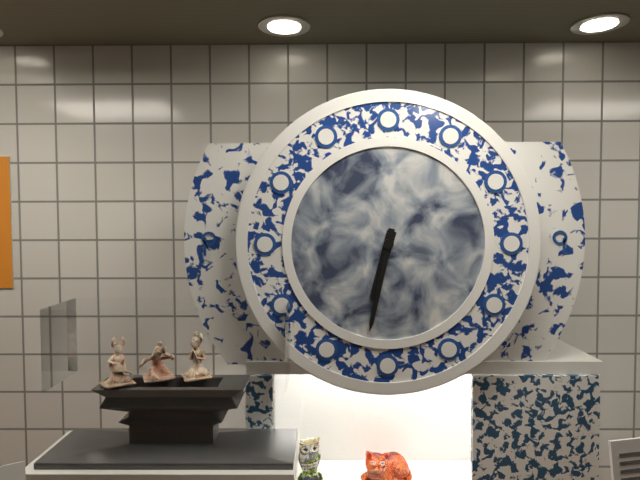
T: 6 h 32 min
